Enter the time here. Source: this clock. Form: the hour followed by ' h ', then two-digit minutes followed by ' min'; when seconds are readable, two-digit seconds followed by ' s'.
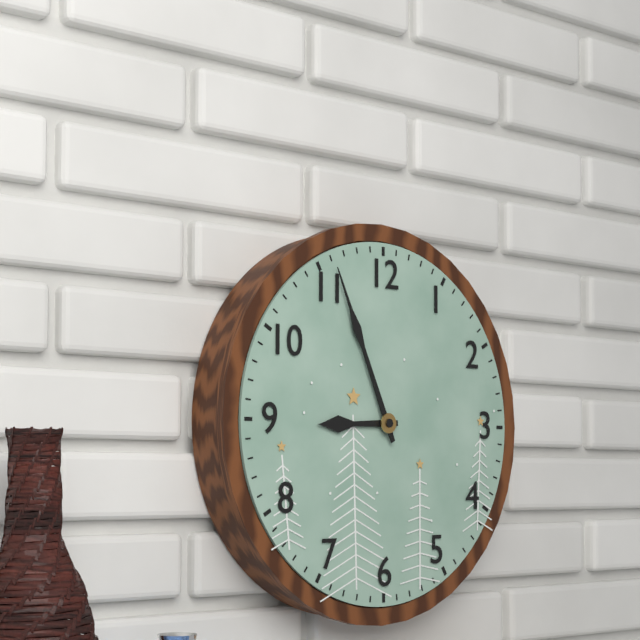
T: 8 h 56 min
